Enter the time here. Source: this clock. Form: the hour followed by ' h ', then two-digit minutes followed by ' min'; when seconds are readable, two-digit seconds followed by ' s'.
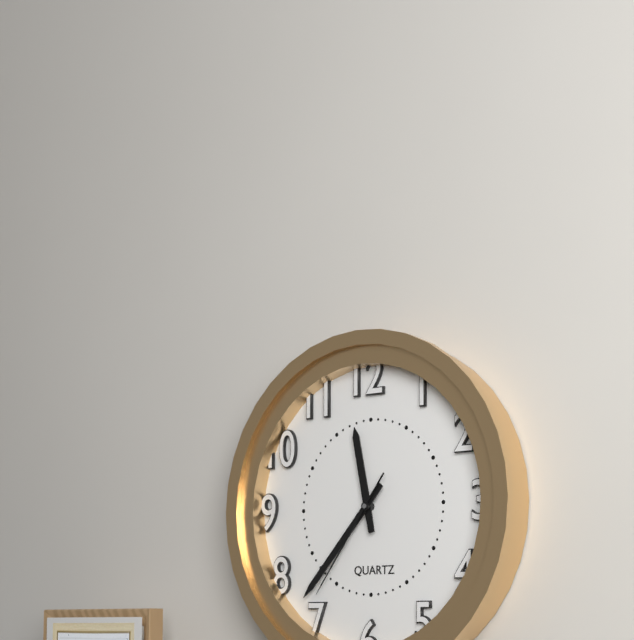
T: 11 h 37 min 36 s
